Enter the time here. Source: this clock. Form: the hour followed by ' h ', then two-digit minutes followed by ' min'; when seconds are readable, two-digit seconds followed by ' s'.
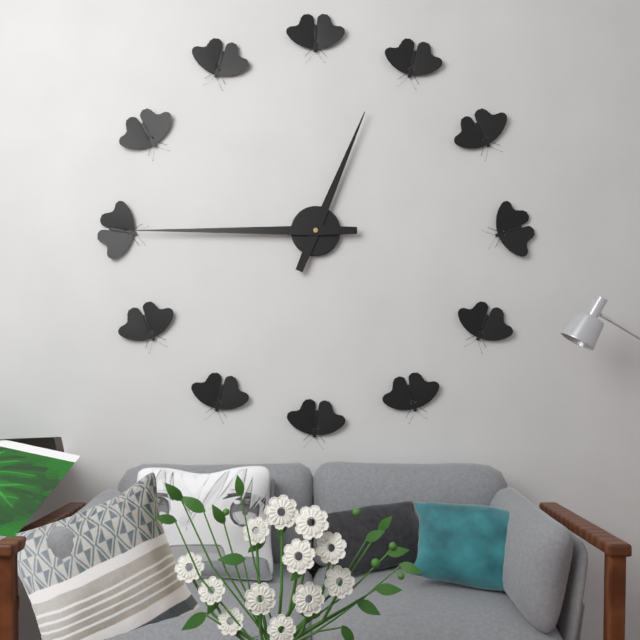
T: 12 h 45 min
